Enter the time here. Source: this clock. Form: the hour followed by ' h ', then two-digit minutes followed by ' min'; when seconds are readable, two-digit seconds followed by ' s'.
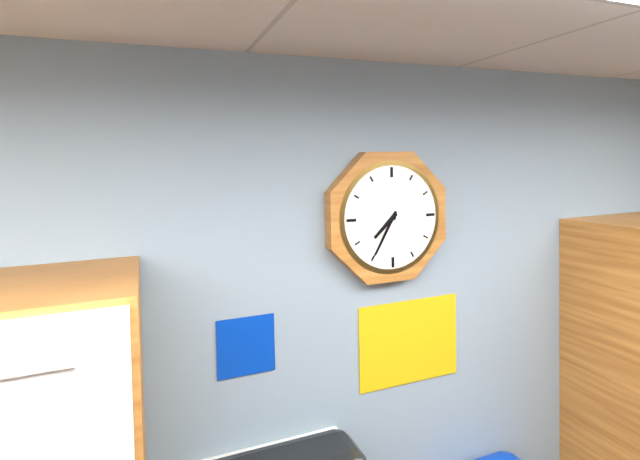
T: 7 h 35 min
